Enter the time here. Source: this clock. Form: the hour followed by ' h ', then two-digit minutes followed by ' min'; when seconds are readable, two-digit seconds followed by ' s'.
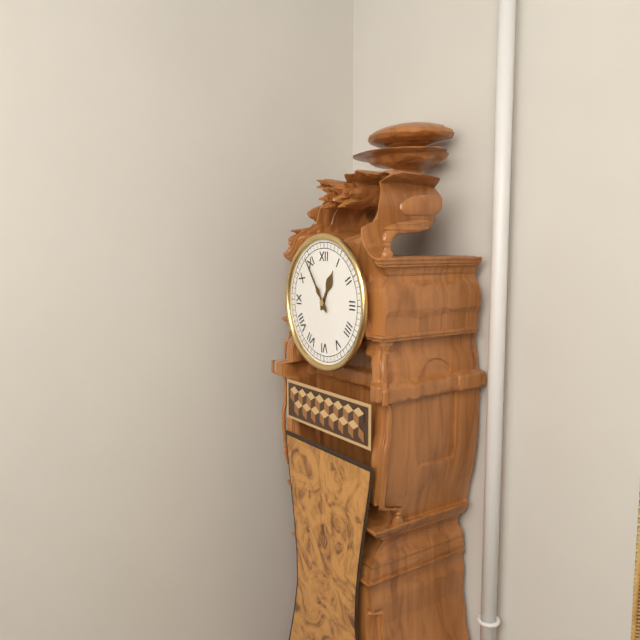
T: 12 h 54 min
